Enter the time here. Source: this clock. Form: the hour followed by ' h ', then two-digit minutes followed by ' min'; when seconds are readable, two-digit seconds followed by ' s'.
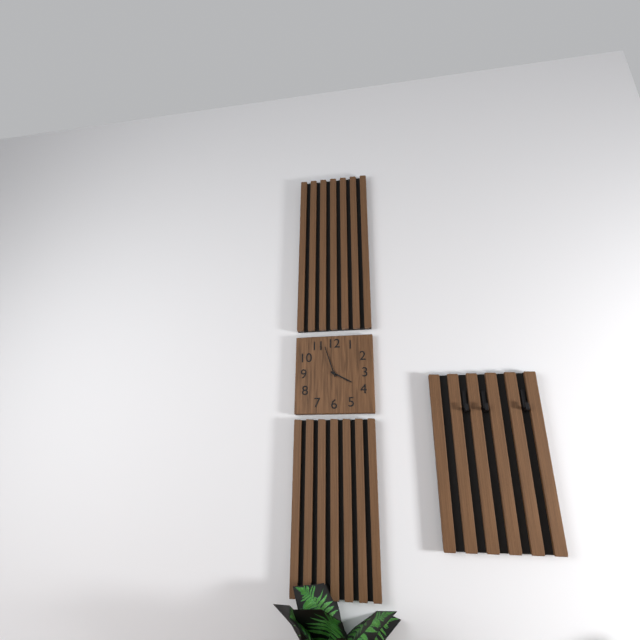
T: 3 h 57 min
